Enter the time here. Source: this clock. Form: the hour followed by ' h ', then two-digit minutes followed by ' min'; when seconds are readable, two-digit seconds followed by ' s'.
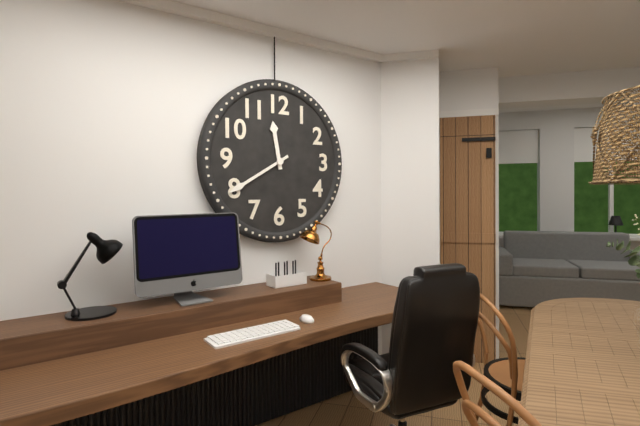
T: 11 h 40 min
